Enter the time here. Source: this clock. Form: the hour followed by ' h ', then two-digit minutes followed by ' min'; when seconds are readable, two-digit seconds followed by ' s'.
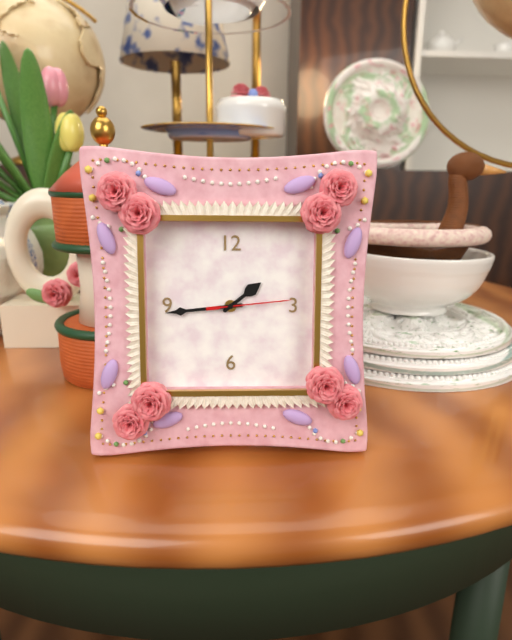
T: 1 h 44 min 14 s
